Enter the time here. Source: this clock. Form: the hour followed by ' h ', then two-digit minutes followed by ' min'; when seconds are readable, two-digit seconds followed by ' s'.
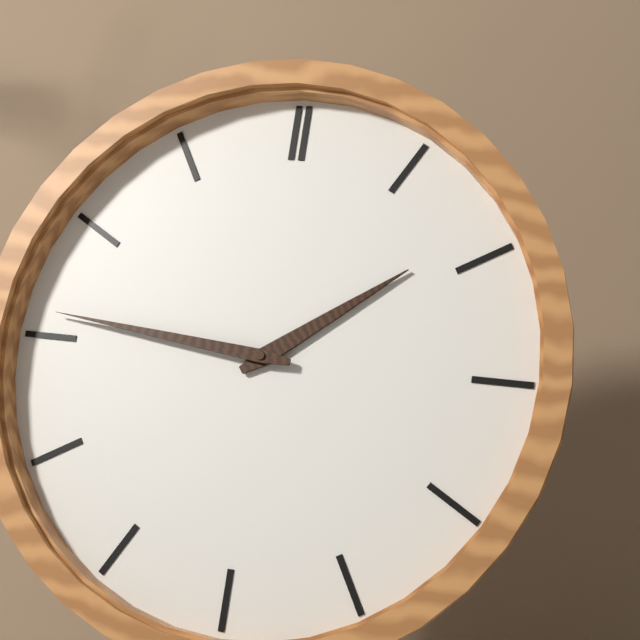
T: 1 h 46 min
